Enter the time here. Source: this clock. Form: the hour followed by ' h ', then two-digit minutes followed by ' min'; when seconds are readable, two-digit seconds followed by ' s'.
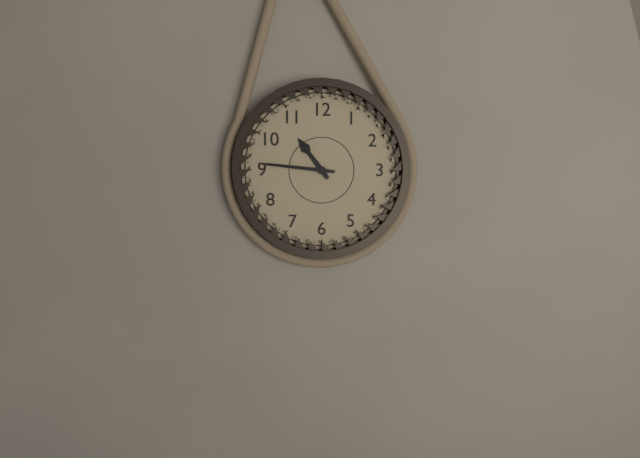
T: 10 h 46 min
